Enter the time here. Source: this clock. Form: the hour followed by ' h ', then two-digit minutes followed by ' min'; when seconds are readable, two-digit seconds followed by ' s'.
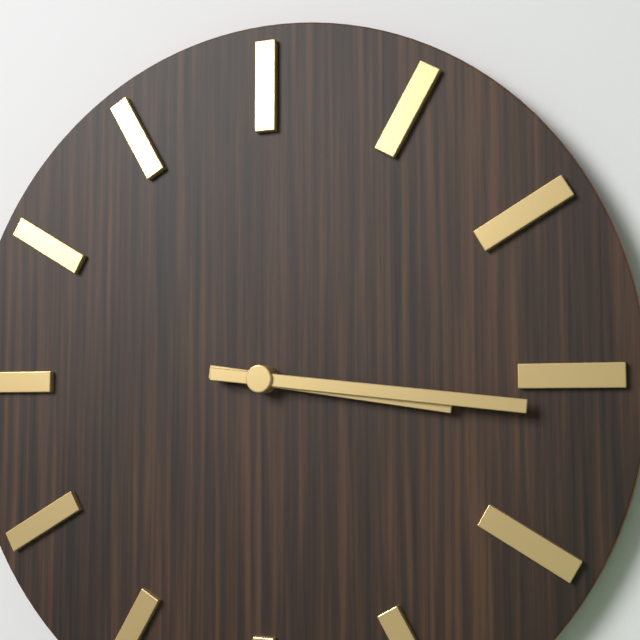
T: 3 h 16 min
